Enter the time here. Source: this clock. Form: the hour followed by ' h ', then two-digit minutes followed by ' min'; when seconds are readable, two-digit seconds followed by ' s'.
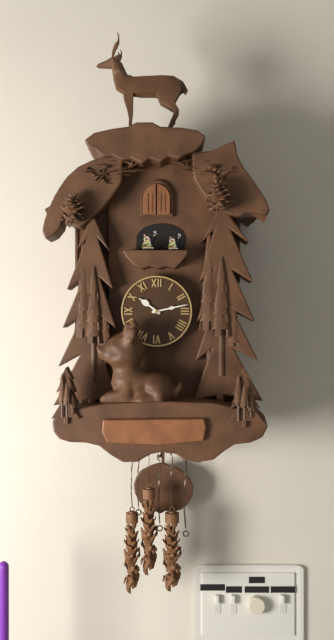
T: 10 h 13 min
